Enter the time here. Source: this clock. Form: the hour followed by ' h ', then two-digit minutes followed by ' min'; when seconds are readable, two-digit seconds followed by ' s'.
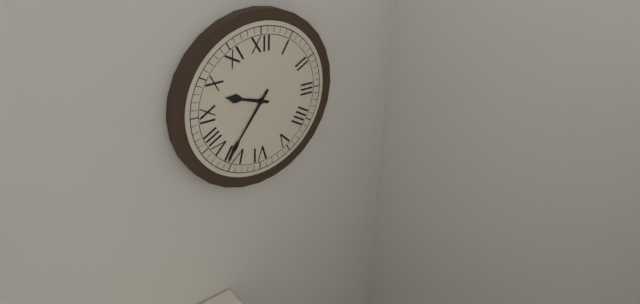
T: 9 h 36 min
